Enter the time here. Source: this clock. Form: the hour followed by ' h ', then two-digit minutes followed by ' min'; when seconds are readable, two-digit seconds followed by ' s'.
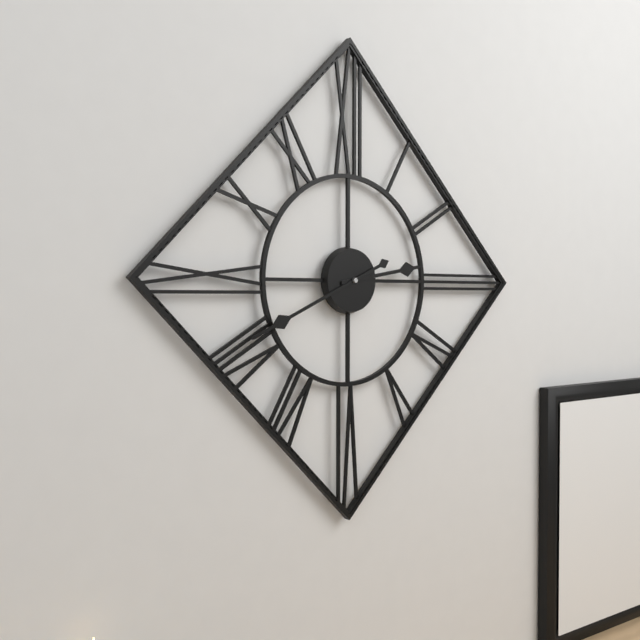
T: 2 h 41 min
